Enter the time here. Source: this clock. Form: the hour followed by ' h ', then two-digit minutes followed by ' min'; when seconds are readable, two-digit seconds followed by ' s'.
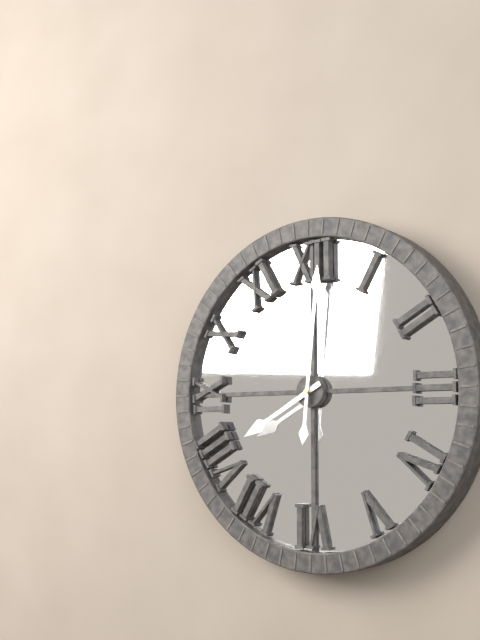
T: 8 h 01 min
